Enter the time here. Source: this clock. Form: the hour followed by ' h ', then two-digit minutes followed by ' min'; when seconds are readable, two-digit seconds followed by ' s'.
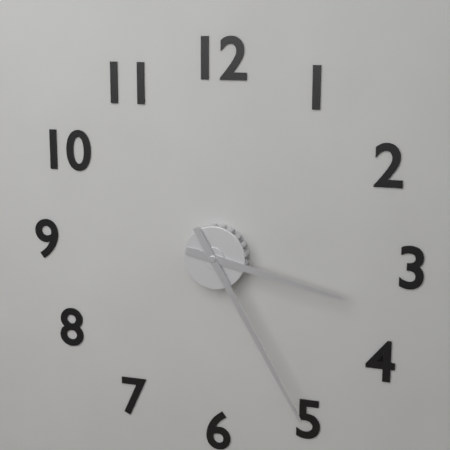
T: 3 h 25 min
